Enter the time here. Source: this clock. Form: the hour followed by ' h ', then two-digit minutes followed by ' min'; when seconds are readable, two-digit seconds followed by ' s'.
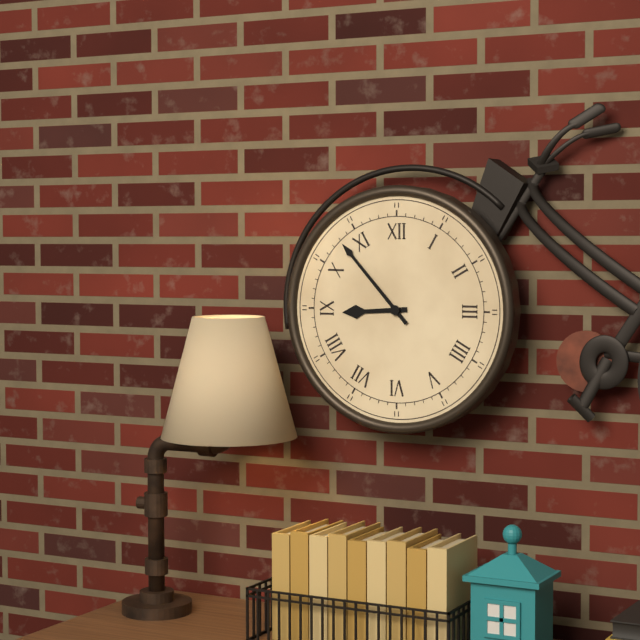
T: 8 h 53 min
